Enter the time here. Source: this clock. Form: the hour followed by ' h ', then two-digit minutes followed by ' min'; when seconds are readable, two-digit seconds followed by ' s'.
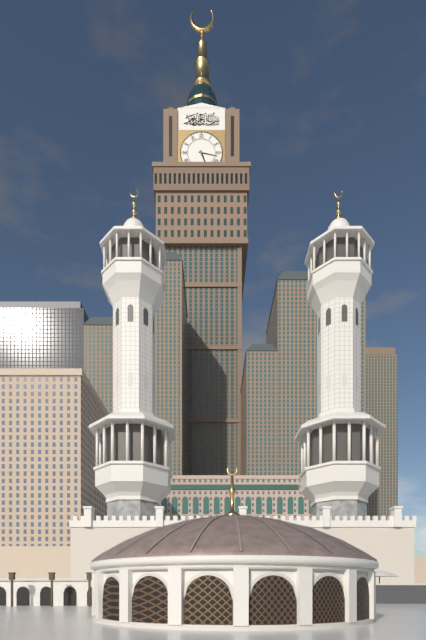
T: 5 h 17 min
